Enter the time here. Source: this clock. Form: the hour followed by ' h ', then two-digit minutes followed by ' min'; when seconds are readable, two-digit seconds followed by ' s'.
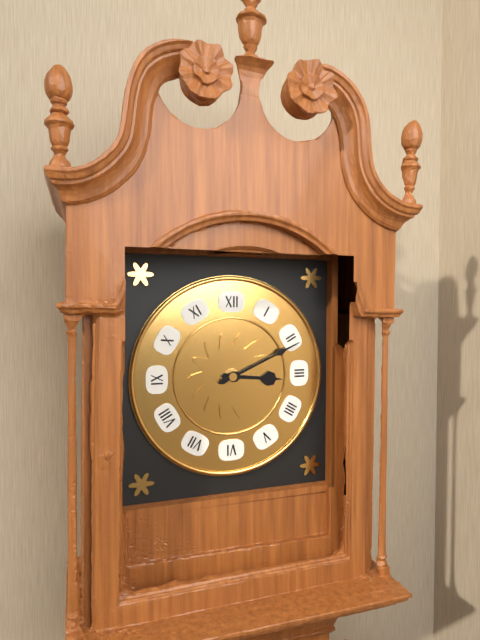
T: 3 h 11 min
